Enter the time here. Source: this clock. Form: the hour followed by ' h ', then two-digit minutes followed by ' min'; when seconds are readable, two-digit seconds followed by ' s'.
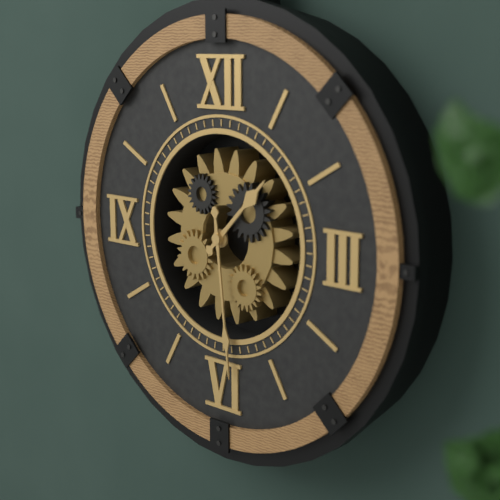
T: 1 h 29 min
